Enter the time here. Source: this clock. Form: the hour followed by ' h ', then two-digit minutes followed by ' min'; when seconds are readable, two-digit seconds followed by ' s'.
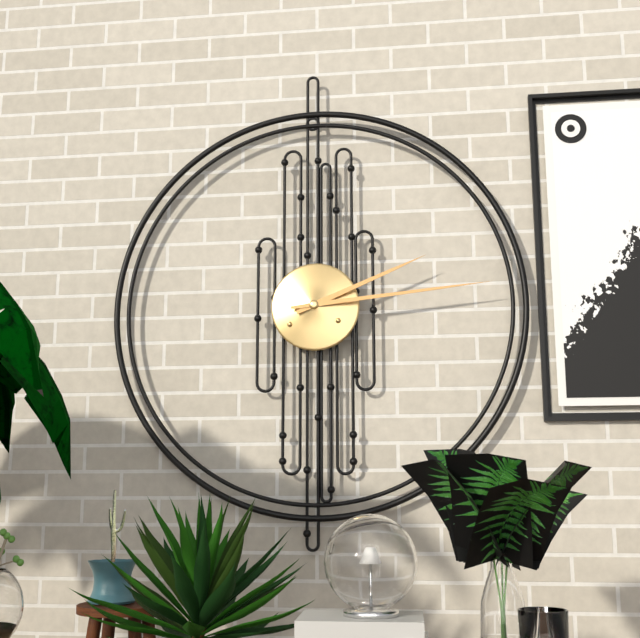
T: 2 h 14 min
